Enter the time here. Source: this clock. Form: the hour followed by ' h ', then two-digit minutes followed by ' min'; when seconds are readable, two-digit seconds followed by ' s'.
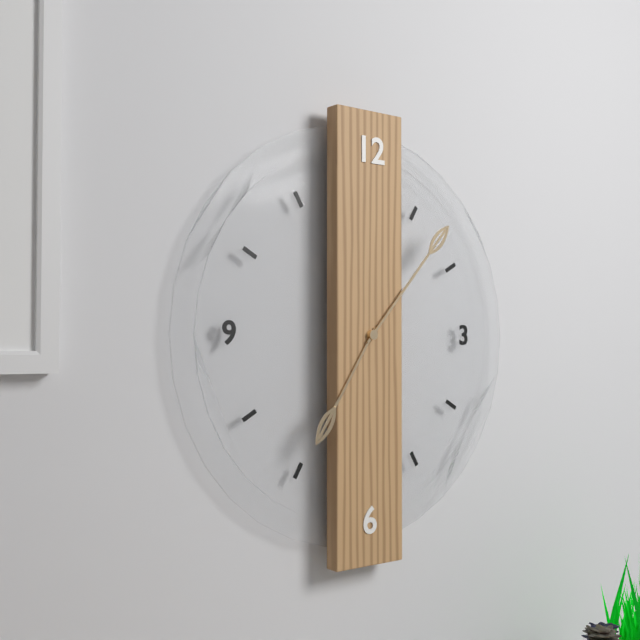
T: 7 h 07 min
